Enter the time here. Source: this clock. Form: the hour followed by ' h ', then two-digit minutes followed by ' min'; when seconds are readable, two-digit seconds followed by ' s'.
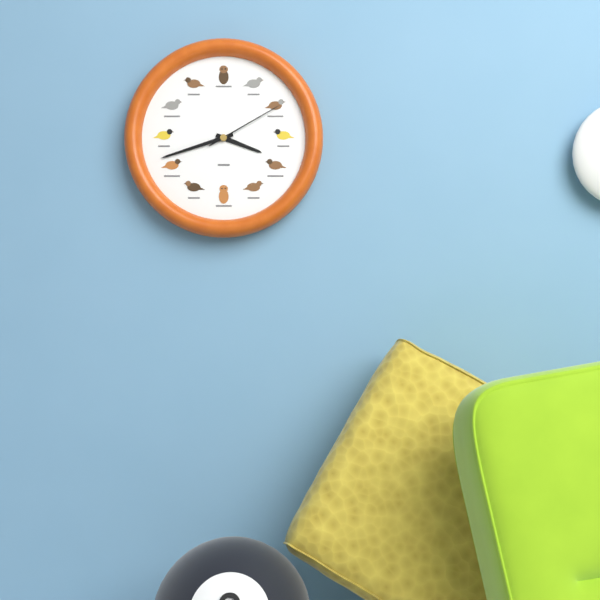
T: 3 h 42 min 10 s
